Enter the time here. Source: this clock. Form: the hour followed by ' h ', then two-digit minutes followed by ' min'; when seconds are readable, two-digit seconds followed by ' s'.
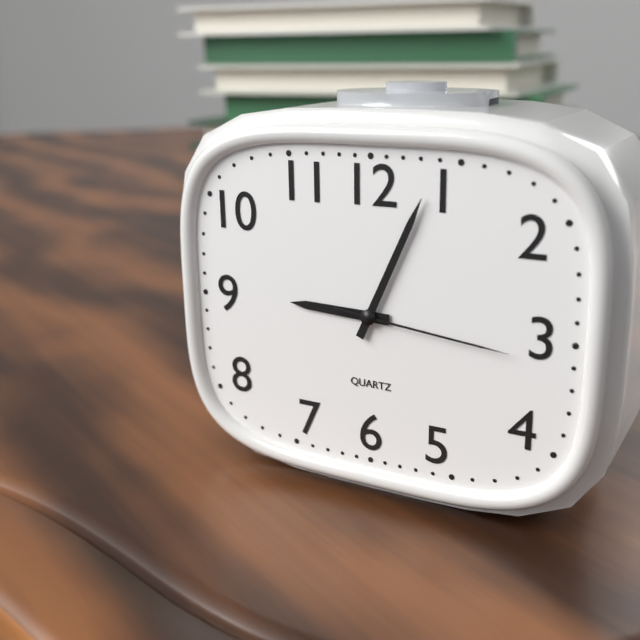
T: 9 h 04 min 16 s
